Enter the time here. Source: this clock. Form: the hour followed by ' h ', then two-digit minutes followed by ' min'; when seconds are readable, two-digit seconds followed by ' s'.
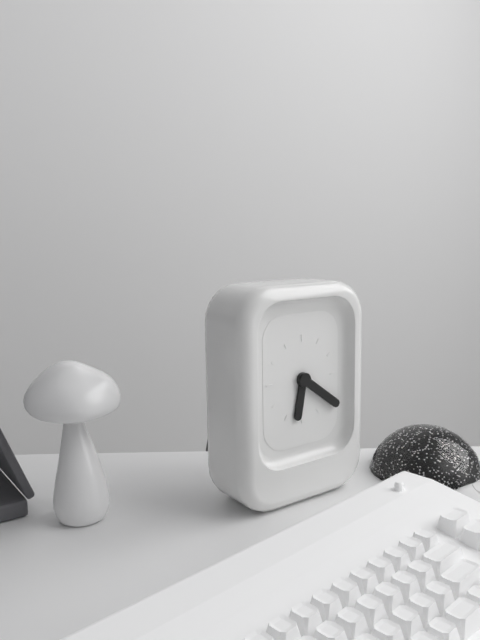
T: 6 h 21 min
